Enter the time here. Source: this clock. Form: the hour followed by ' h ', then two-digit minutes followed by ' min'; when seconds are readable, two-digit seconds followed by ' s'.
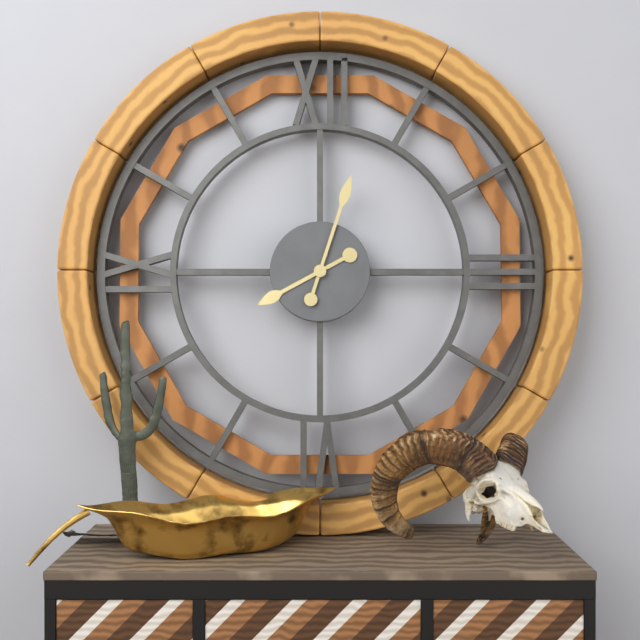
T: 8 h 03 min
